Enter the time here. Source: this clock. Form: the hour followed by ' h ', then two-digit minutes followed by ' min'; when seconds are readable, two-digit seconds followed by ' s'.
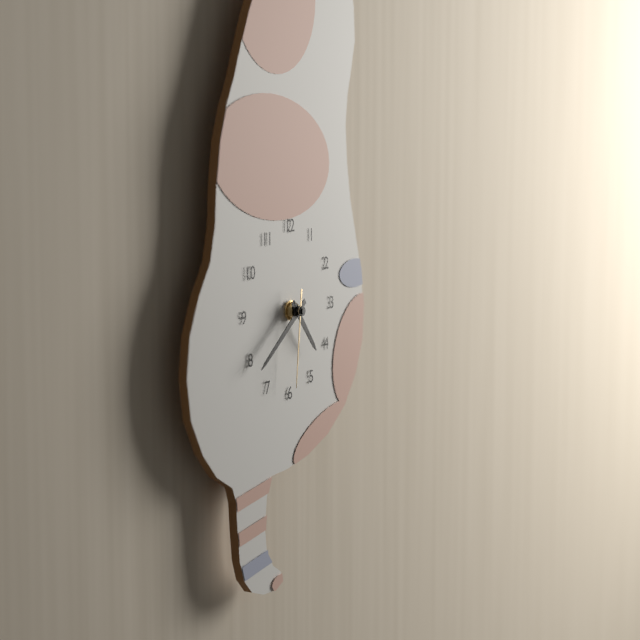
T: 4 h 39 min 31 s
